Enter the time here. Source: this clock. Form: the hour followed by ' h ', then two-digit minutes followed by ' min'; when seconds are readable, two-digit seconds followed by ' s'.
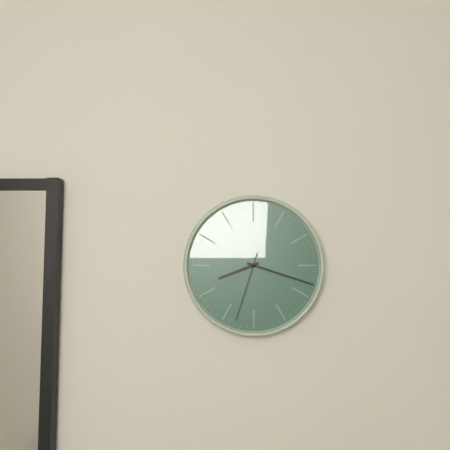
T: 8 h 18 min 33 s
